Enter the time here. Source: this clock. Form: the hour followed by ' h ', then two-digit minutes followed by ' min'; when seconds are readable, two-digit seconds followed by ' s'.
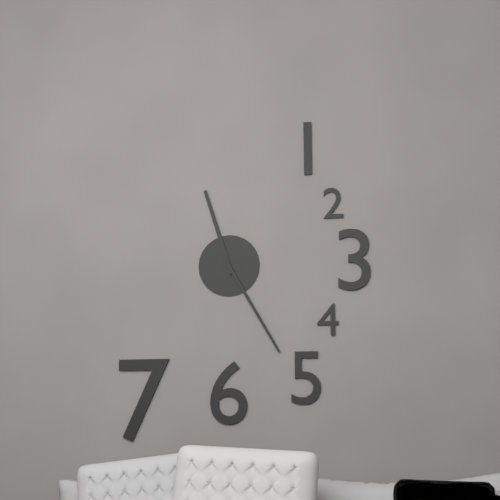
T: 11 h 25 min
